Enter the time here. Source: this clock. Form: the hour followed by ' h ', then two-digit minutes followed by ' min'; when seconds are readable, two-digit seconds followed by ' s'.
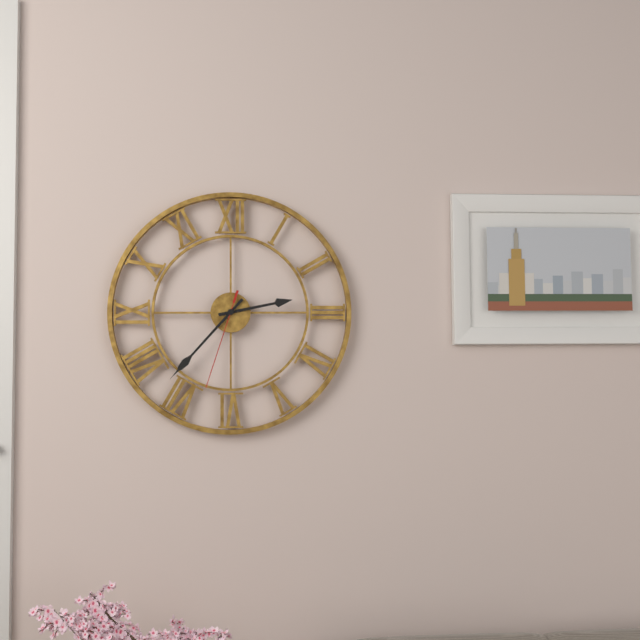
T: 2 h 37 min 33 s
